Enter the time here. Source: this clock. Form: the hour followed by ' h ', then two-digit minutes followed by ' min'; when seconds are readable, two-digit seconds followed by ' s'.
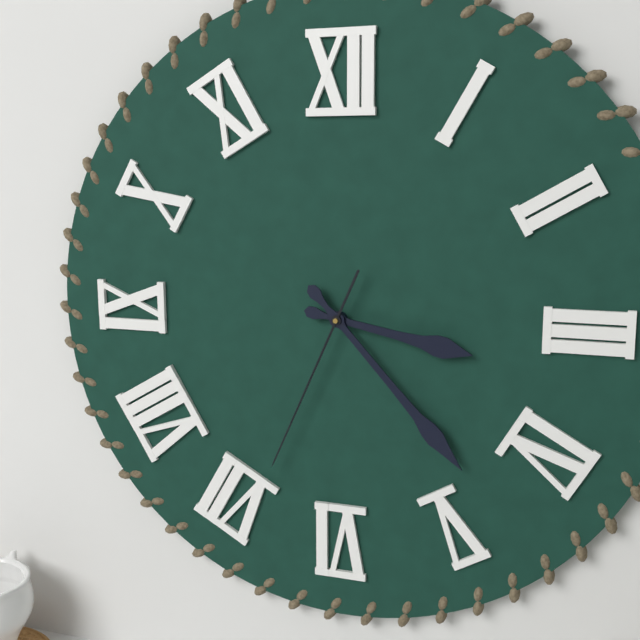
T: 3 h 23 min 34 s
